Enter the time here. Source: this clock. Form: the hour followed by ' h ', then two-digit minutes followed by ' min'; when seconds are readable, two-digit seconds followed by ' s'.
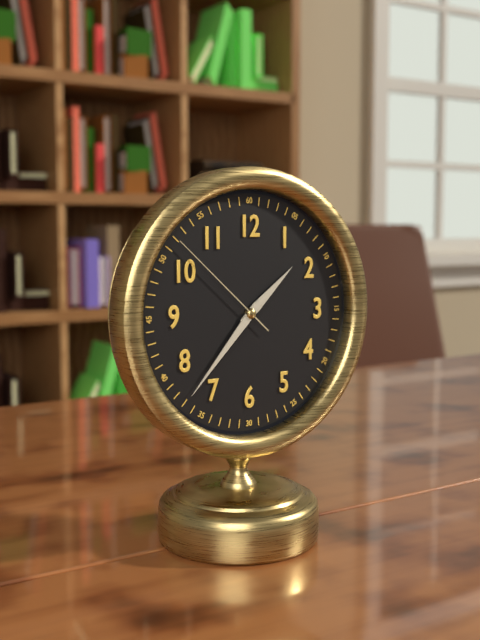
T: 1 h 37 min 52 s
